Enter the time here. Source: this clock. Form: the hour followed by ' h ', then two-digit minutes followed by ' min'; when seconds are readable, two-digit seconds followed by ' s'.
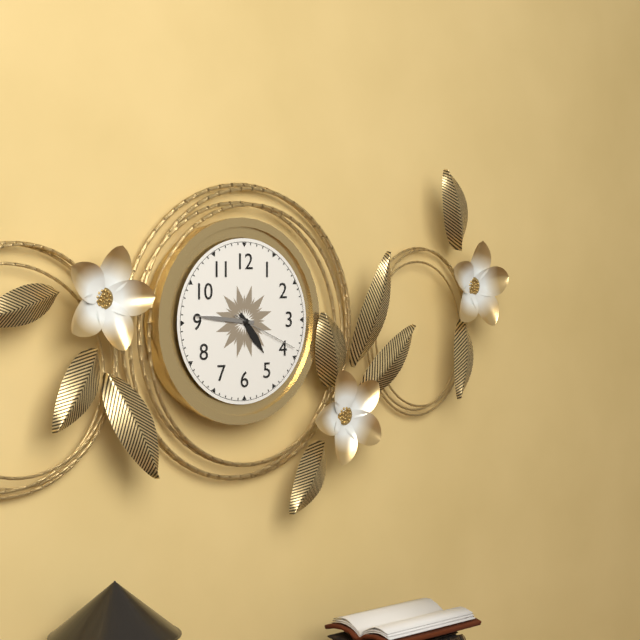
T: 4 h 46 min 19 s
